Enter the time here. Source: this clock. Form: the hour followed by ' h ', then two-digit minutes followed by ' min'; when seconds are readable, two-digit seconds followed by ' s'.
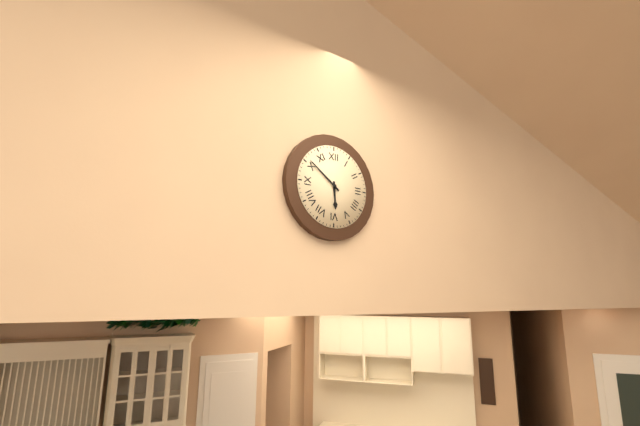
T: 5 h 51 min
